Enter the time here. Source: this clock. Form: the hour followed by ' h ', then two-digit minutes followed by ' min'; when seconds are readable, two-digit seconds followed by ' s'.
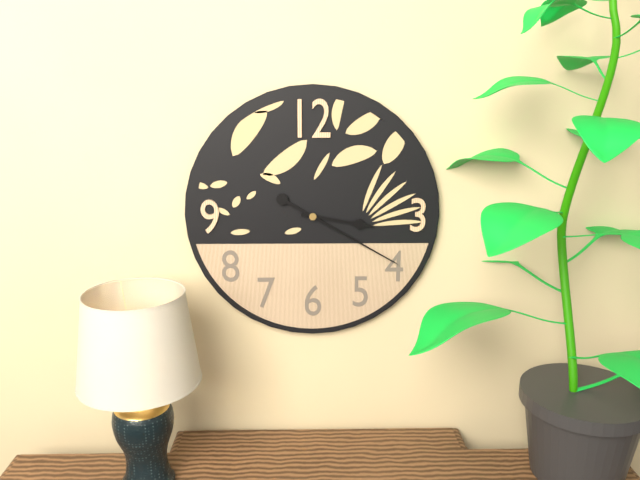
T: 3 h 20 min
